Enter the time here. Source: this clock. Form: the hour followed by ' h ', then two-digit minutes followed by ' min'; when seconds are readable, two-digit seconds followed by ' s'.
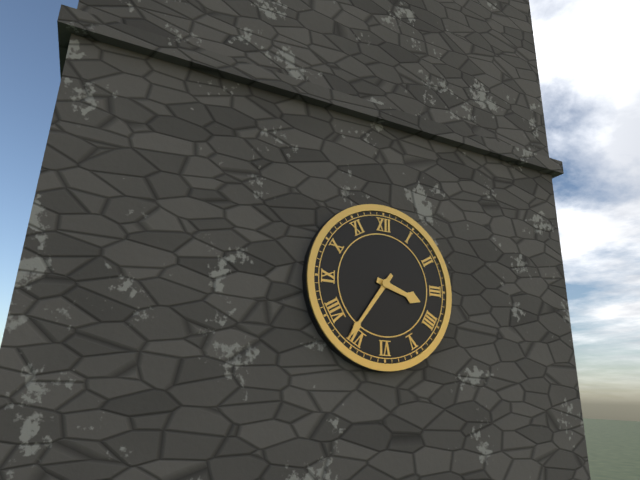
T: 3 h 36 min
